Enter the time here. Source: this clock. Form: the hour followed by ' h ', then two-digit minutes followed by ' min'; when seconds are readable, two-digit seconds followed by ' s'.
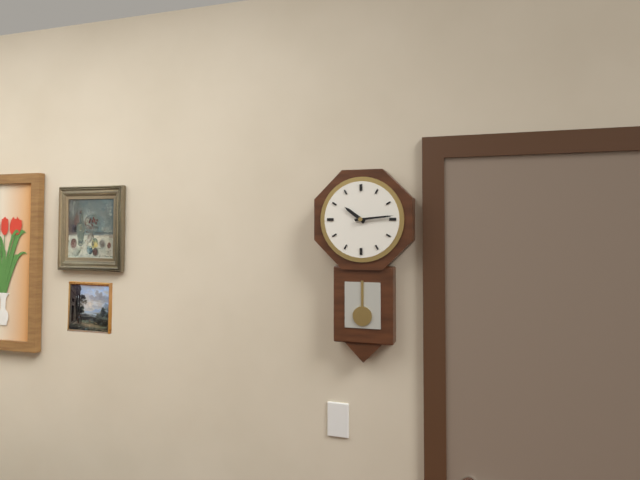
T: 10 h 14 min
